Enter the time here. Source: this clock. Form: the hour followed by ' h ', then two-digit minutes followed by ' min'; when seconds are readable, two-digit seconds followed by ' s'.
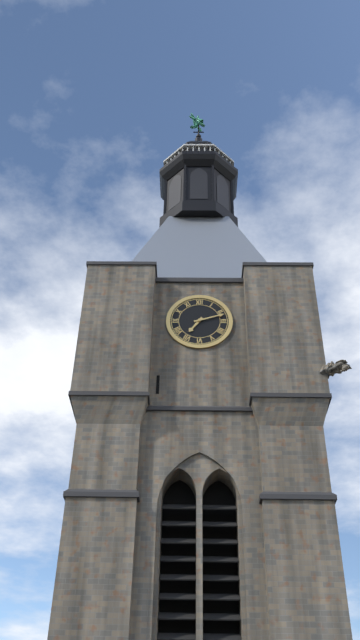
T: 7 h 12 min
